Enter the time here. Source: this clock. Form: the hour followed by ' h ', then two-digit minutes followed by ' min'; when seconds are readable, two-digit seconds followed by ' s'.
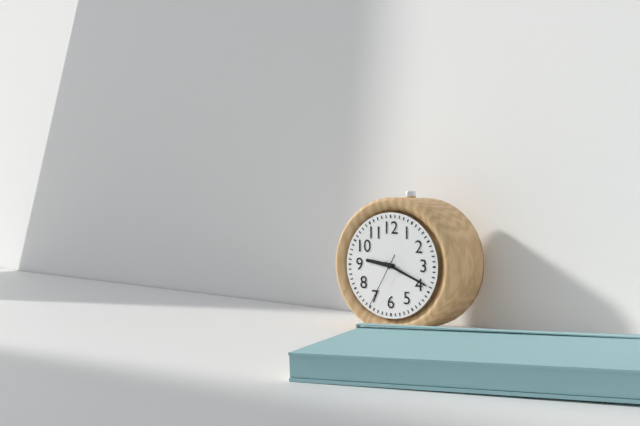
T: 9 h 19 min 35 s
